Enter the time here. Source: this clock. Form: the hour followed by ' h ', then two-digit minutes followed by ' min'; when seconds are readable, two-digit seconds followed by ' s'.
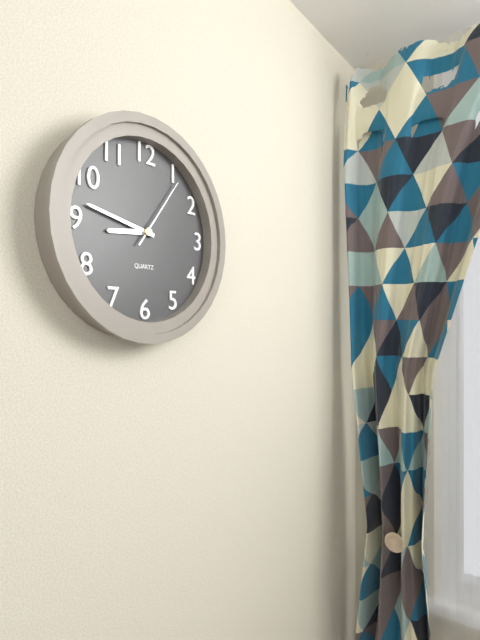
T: 8 h 47 min 06 s
